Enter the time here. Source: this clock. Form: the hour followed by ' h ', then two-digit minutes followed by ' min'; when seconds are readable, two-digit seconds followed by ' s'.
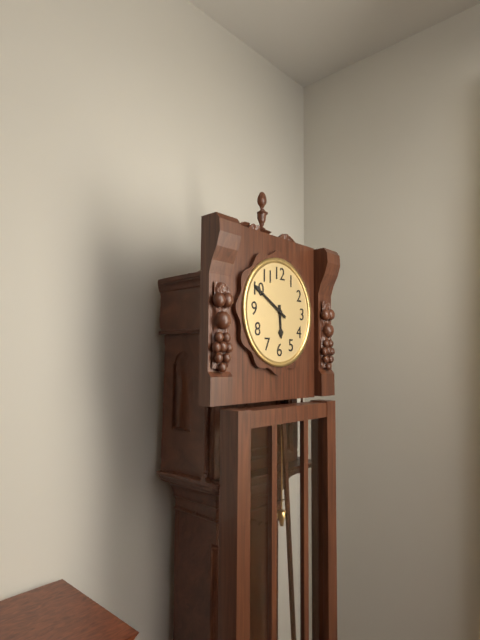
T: 5 h 50 min
